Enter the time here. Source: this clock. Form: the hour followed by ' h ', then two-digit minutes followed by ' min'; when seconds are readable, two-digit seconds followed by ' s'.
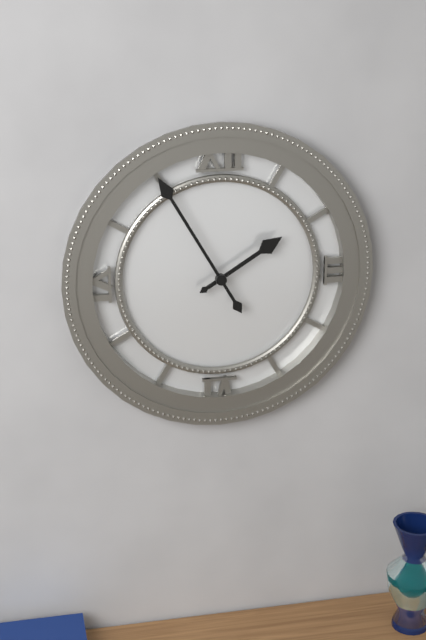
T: 1 h 55 min
